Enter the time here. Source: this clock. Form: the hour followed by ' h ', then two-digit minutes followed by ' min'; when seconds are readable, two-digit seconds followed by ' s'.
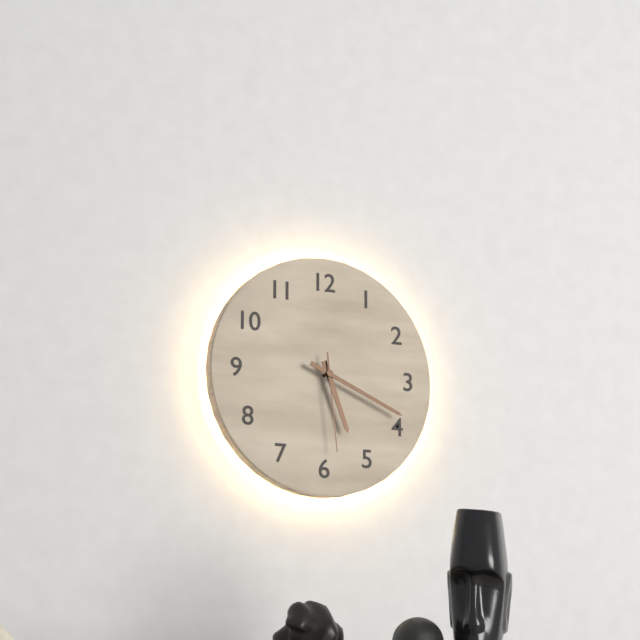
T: 5 h 19 min 29 s
